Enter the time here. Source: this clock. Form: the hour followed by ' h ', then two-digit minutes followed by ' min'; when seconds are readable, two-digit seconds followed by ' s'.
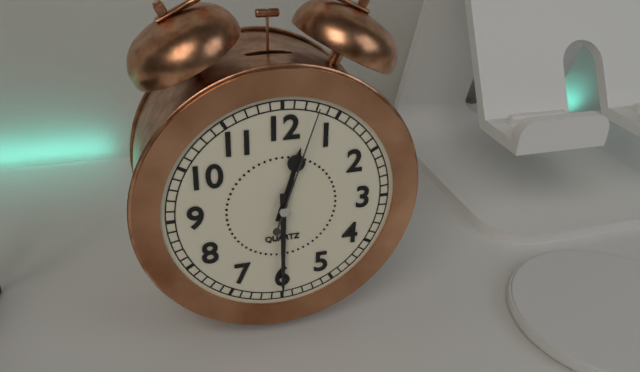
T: 12 h 30 min 03 s
